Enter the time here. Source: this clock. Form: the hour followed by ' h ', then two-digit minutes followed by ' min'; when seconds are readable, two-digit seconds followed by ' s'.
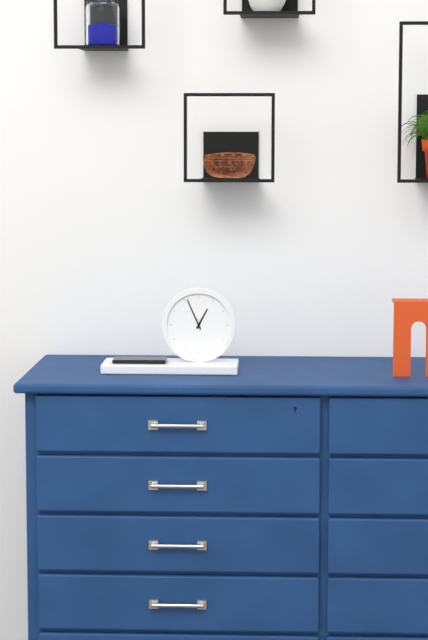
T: 12 h 56 min
